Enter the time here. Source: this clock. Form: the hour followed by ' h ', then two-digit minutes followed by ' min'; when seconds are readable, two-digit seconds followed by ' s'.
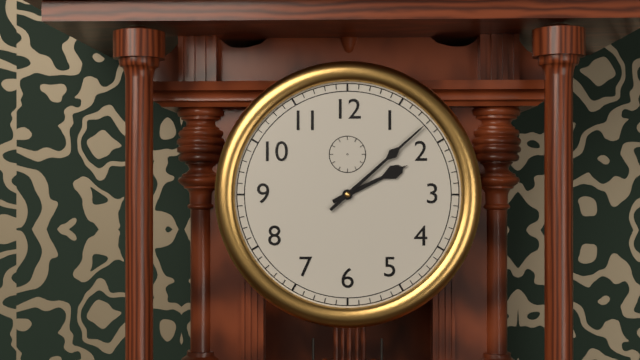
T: 2 h 08 min
